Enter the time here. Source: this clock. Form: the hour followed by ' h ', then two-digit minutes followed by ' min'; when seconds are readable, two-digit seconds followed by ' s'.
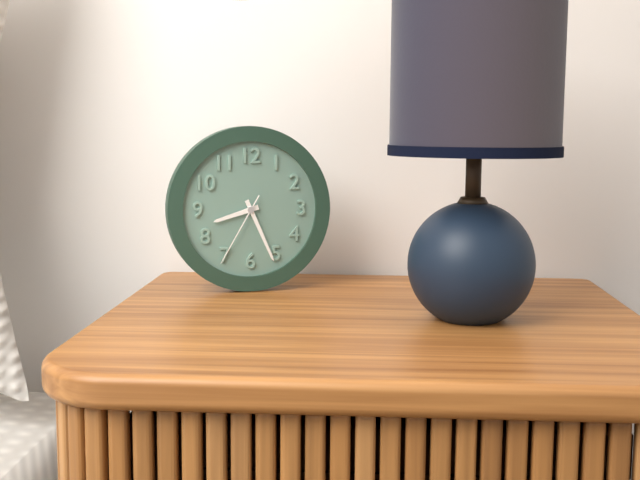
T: 8 h 26 min 35 s
